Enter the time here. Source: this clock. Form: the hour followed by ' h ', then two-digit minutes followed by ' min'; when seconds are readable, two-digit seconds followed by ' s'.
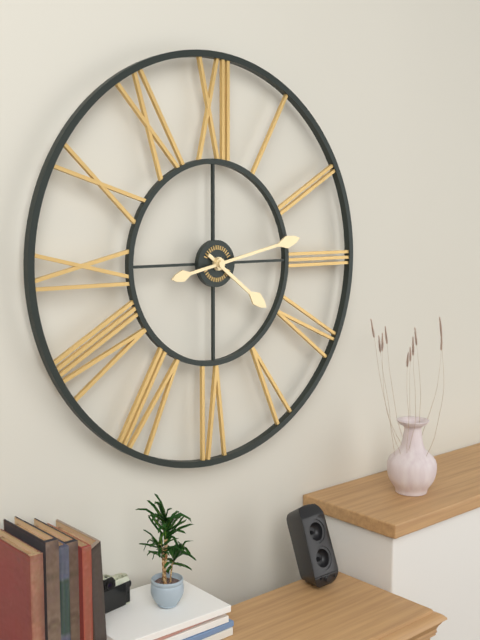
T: 4 h 13 min
